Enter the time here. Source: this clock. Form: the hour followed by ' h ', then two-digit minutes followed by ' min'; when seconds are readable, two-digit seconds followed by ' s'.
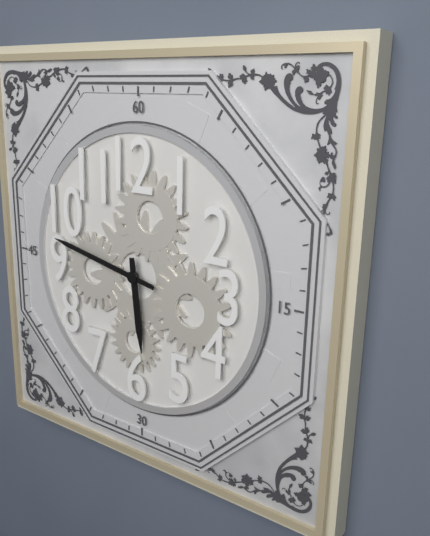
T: 5 h 47 min
